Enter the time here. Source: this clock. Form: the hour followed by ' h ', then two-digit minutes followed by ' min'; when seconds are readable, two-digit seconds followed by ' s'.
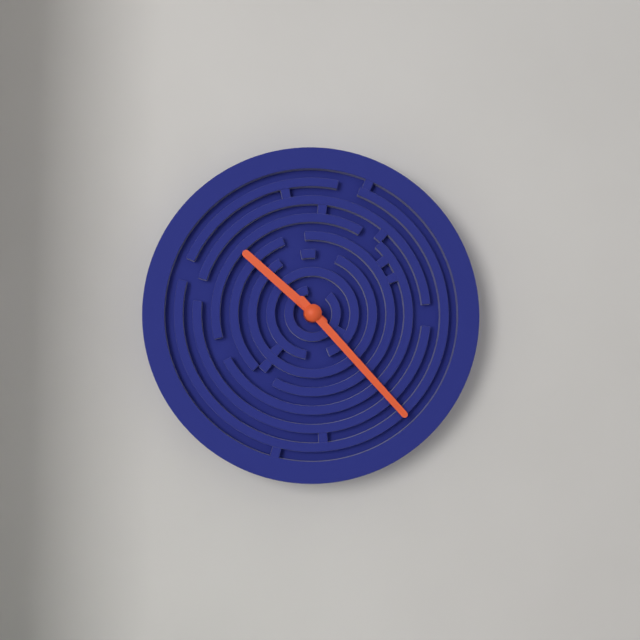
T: 10 h 23 min
